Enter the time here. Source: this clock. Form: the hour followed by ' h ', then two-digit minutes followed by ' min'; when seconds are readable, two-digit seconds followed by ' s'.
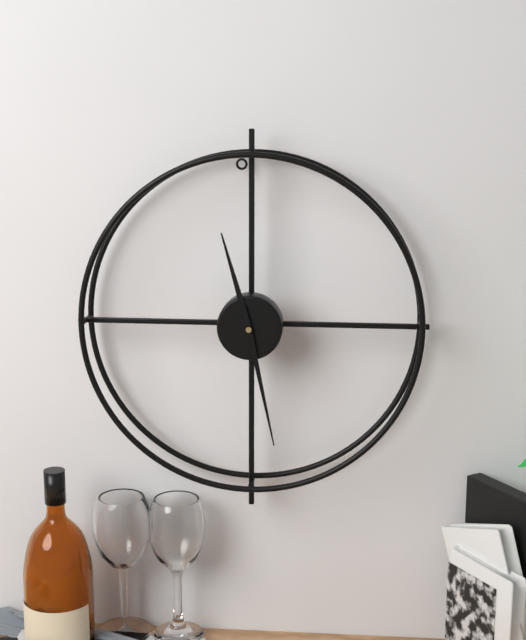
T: 11 h 28 min
